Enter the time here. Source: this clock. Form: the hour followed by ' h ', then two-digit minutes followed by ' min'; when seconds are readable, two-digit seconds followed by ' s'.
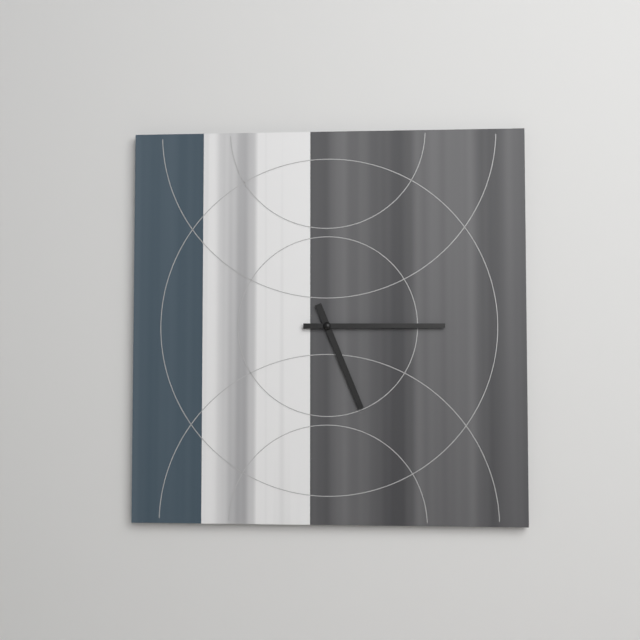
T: 5 h 15 min
